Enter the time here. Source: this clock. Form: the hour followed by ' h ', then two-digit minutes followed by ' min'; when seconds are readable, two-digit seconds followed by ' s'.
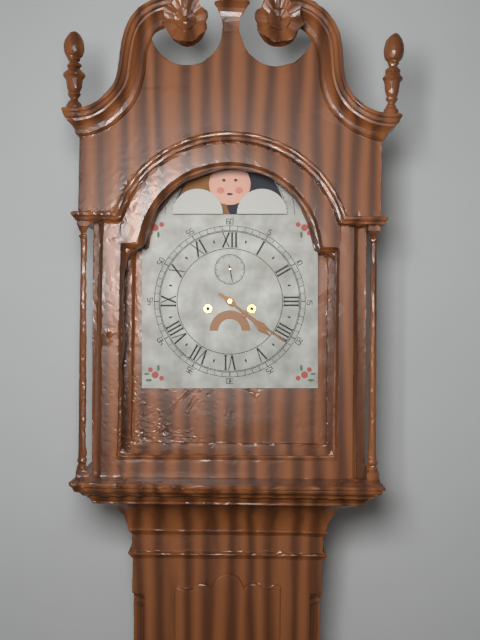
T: 4 h 21 min
